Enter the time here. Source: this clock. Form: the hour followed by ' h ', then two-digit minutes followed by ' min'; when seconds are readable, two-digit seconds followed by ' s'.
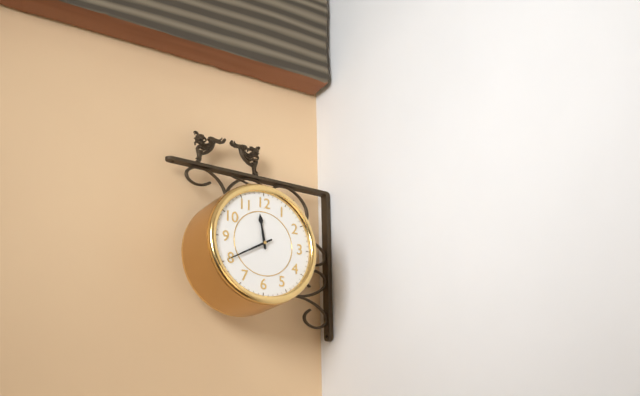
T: 11 h 40 min
